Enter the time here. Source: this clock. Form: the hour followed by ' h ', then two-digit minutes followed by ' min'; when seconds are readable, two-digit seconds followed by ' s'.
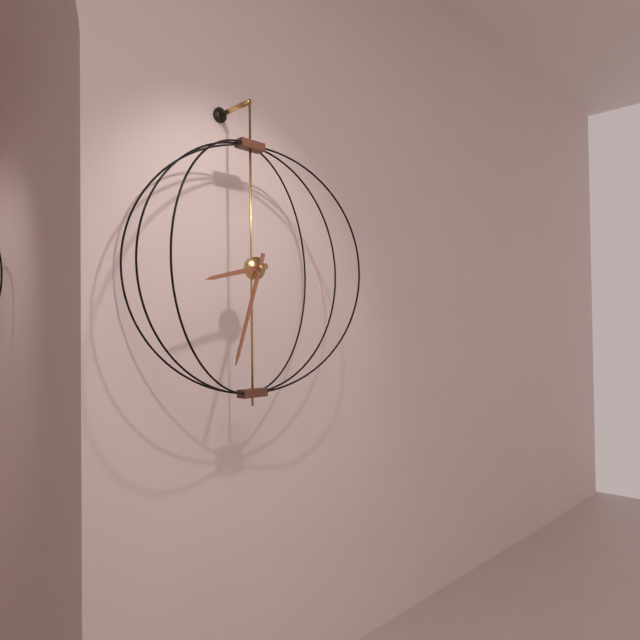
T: 8 h 33 min
